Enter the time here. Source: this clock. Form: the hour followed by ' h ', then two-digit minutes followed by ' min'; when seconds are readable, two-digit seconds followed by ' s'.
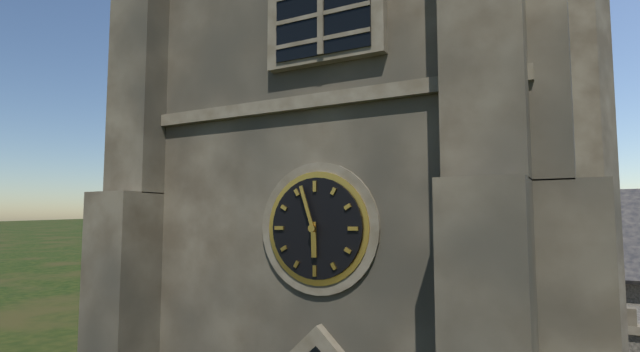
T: 5 h 57 min
